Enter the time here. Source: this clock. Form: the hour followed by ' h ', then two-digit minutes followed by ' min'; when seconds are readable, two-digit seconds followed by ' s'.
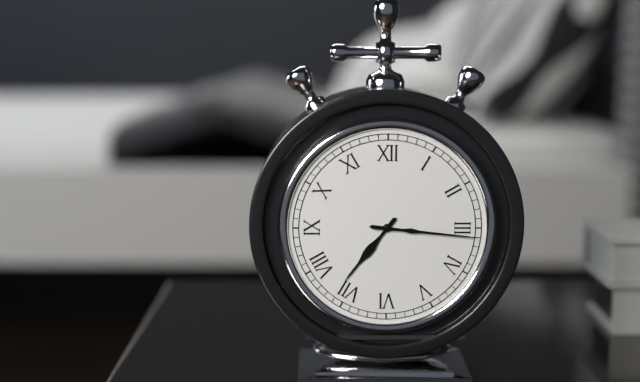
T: 7 h 16 min
